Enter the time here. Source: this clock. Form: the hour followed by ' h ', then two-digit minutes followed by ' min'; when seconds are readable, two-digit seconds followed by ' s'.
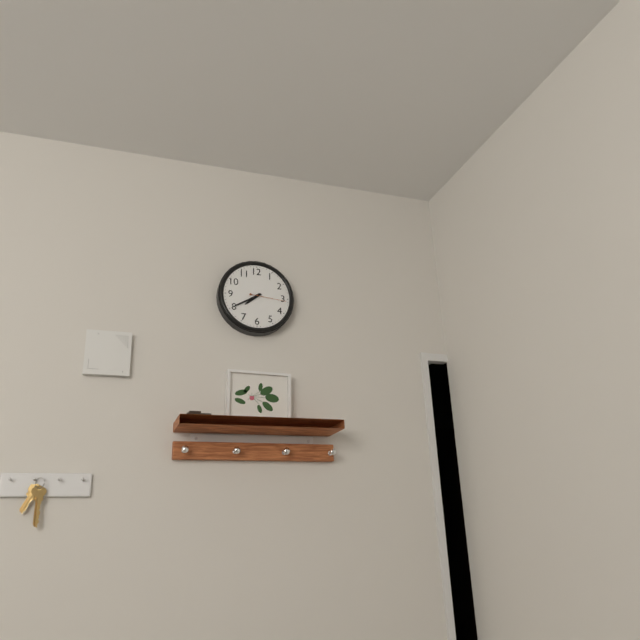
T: 7 h 40 min
